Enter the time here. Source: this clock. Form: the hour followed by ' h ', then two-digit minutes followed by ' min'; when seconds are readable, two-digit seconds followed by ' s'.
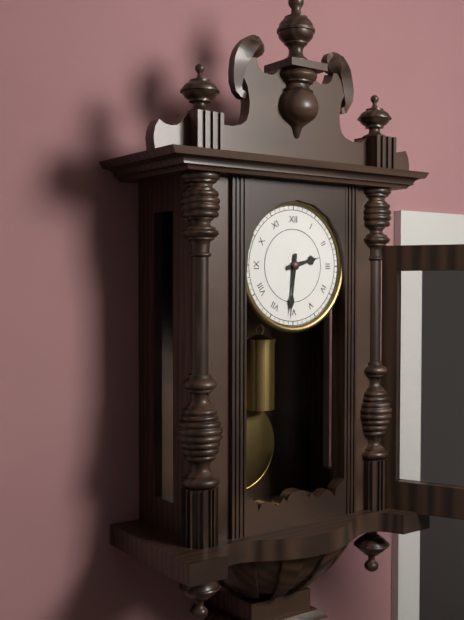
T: 2 h 31 min
